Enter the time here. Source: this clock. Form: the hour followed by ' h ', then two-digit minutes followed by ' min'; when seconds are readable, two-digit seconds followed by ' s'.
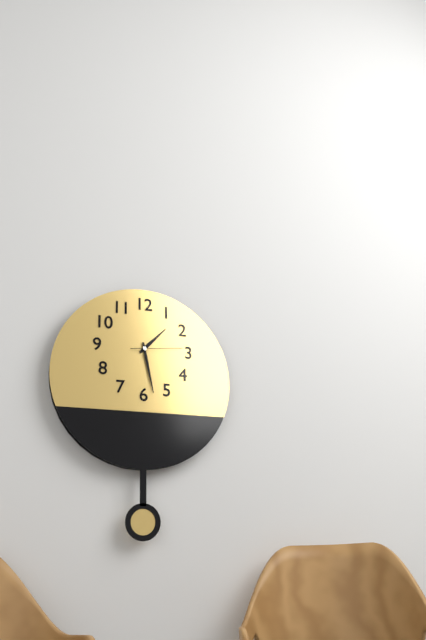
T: 1 h 28 min
